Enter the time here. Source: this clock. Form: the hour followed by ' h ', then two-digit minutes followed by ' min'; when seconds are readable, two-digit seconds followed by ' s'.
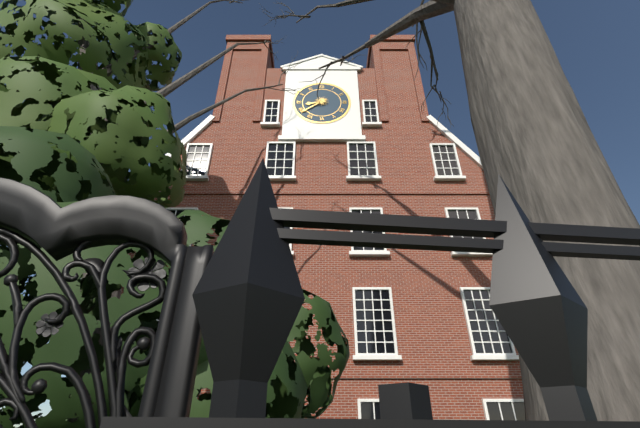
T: 8 h 39 min
